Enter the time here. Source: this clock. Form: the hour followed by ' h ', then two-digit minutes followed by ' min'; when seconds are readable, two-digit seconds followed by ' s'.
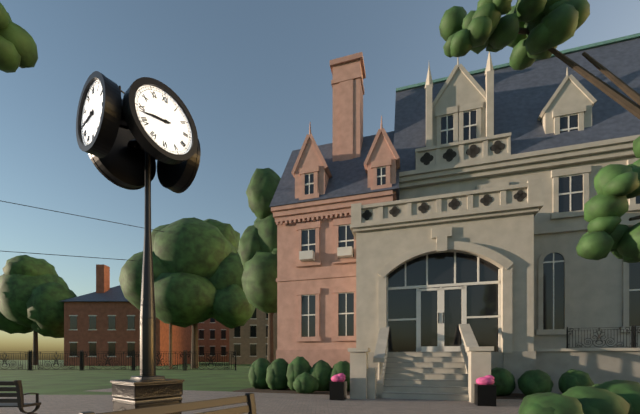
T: 8 h 43 min
